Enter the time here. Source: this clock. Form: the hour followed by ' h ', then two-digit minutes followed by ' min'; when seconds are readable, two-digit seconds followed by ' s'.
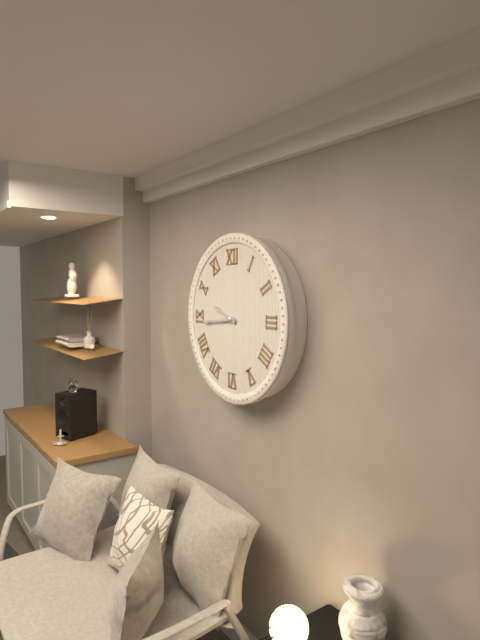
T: 9 h 44 min
